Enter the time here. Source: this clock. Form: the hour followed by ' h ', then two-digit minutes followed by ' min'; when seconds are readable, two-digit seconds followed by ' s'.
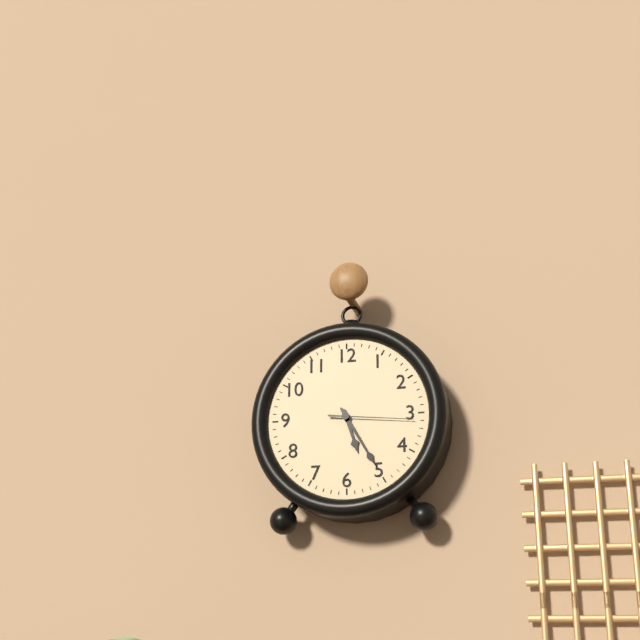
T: 5 h 25 min 16 s
